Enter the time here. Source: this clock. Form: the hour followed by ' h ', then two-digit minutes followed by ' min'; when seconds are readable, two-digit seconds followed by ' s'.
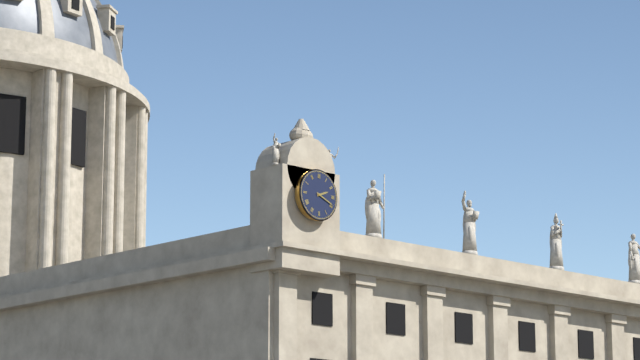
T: 2 h 19 min
